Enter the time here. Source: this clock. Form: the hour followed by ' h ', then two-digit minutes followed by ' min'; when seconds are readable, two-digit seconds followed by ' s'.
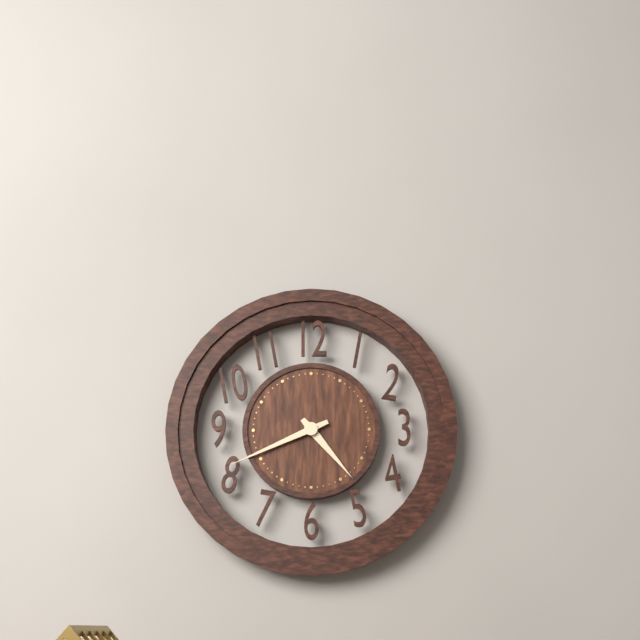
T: 4 h 41 min
